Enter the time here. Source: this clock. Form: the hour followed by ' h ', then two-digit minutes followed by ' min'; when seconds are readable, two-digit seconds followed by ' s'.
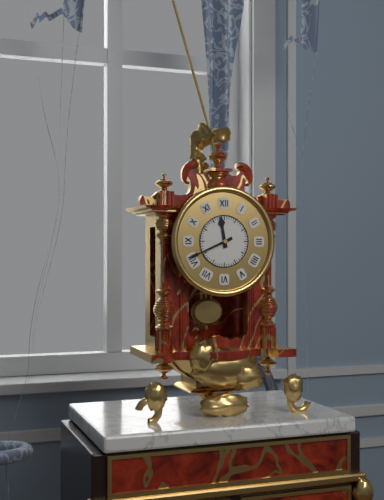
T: 11 h 41 min
